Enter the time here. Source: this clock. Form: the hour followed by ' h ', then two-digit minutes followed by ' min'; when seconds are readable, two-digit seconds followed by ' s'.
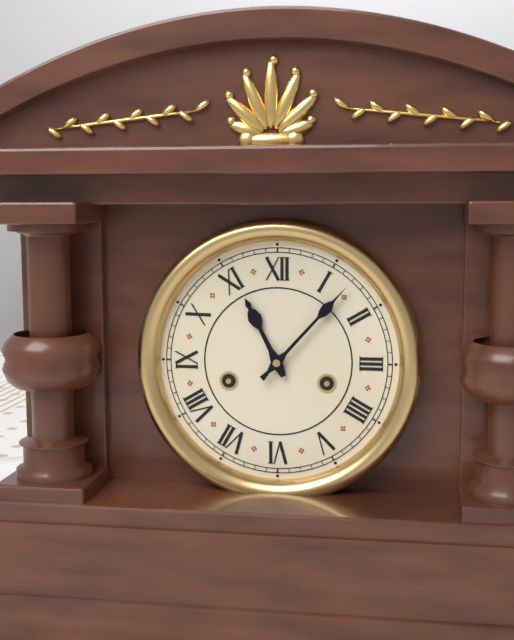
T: 11 h 07 min
